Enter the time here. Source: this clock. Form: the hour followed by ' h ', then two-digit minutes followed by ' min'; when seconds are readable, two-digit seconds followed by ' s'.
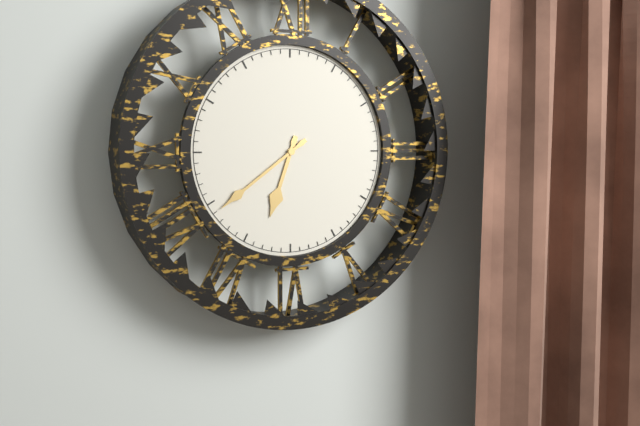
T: 6 h 39 min
